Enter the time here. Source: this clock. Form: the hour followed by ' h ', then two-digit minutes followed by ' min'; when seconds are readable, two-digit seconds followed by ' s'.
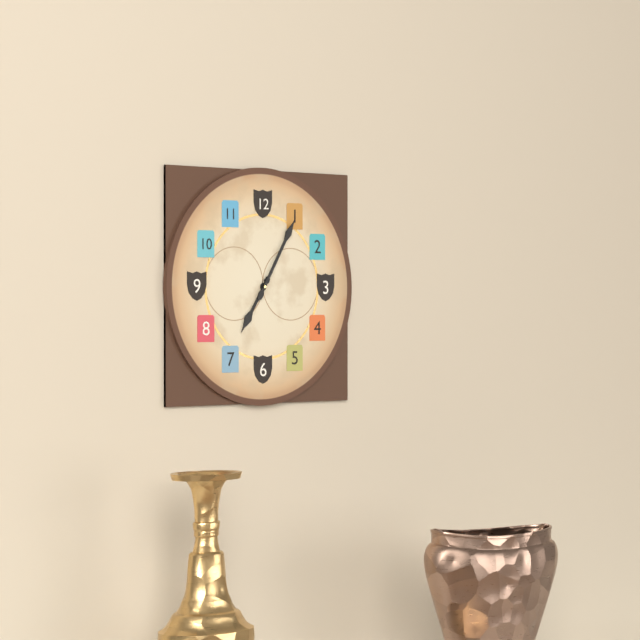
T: 7 h 05 min
